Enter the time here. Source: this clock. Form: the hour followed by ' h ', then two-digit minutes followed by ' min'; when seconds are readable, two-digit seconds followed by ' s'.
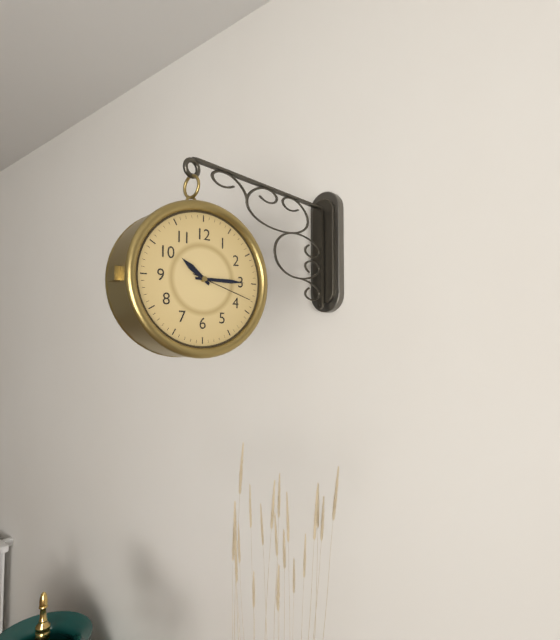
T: 10 h 15 min 18 s
